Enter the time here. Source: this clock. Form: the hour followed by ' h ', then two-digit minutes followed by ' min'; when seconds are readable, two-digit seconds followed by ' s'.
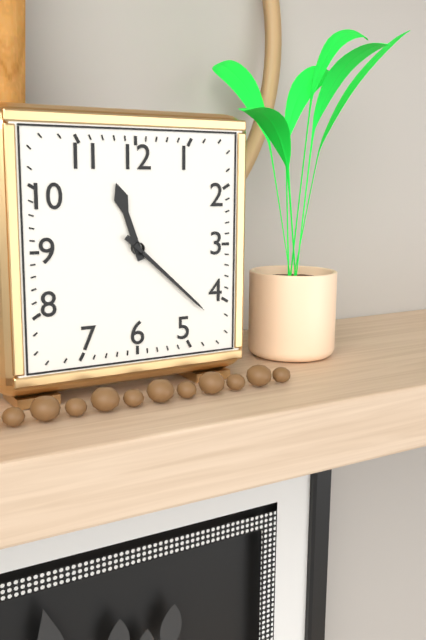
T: 11 h 22 min
